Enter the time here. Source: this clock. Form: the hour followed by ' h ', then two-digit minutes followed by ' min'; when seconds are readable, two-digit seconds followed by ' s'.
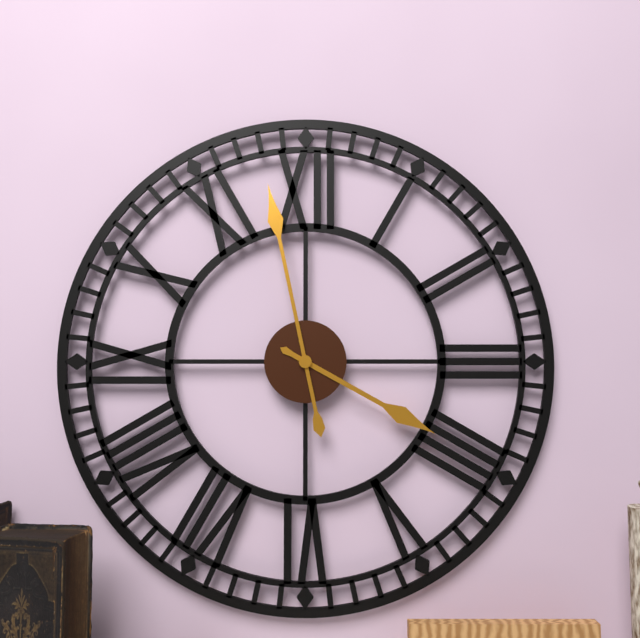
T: 3 h 58 min
